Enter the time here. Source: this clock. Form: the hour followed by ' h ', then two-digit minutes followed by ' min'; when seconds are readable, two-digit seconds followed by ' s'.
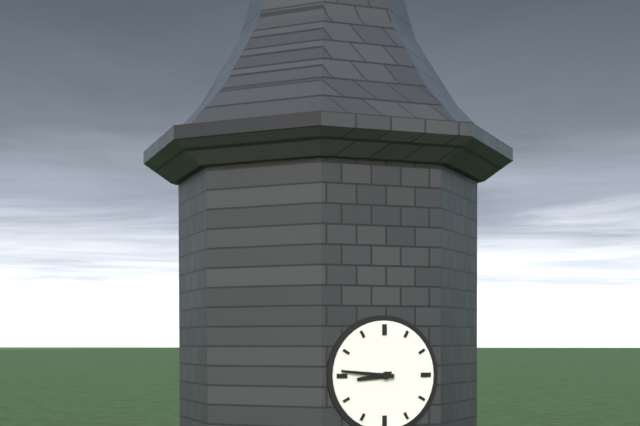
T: 8 h 46 min
